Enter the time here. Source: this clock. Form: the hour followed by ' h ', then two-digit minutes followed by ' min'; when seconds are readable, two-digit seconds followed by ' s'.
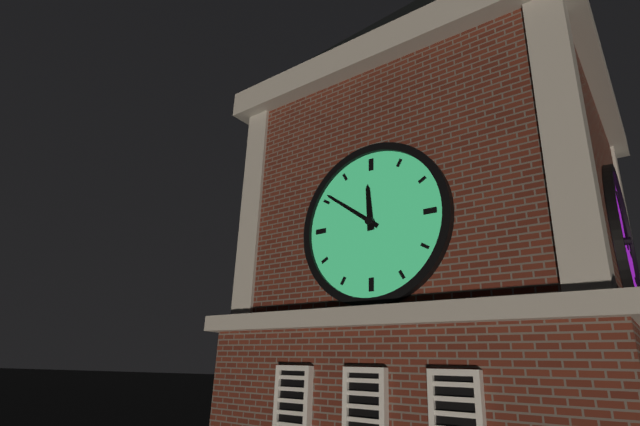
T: 11 h 51 min
